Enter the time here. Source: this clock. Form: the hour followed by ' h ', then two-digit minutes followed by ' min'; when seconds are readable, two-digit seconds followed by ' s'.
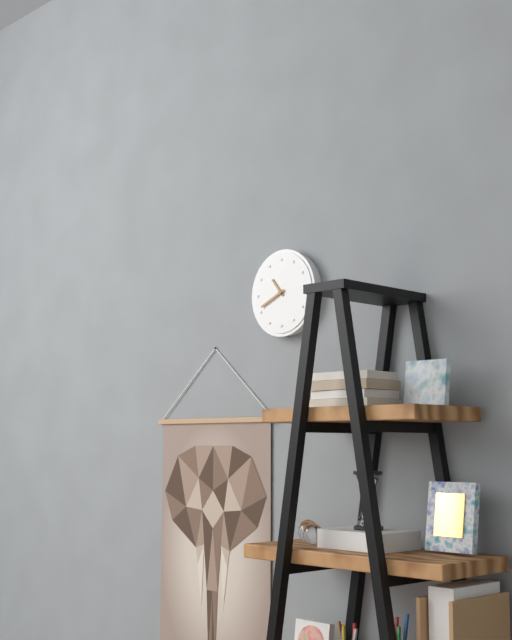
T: 10 h 41 min
